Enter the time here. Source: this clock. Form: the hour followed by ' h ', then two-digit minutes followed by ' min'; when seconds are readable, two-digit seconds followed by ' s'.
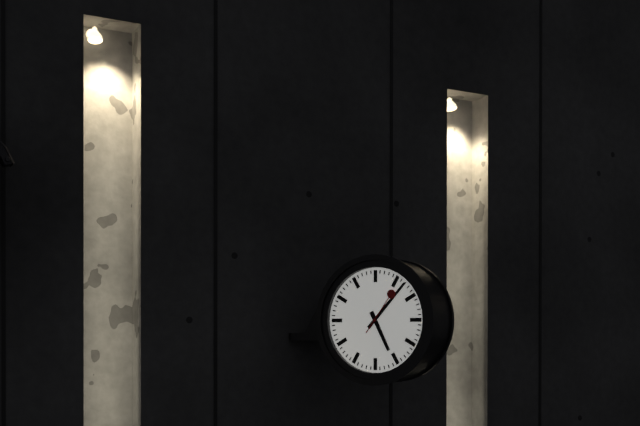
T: 5 h 07 min
